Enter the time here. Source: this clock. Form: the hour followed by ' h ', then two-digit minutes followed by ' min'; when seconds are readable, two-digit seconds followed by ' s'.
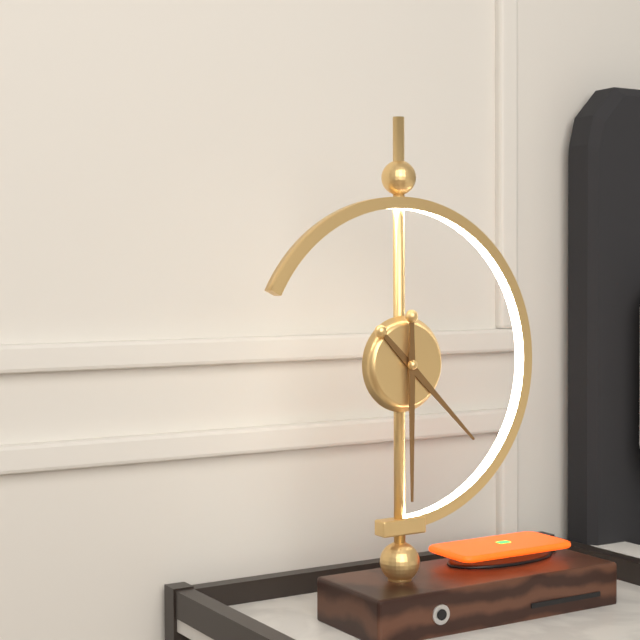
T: 4 h 30 min
